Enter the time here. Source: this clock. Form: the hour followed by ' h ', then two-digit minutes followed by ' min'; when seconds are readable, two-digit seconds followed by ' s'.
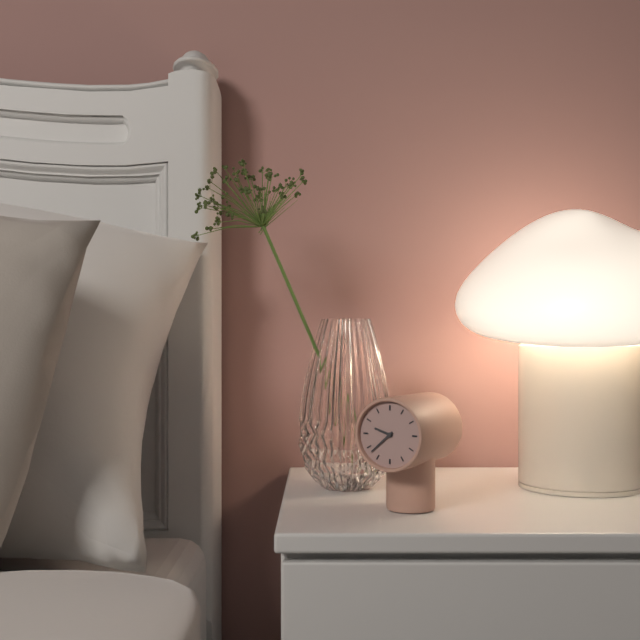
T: 9 h 38 min
